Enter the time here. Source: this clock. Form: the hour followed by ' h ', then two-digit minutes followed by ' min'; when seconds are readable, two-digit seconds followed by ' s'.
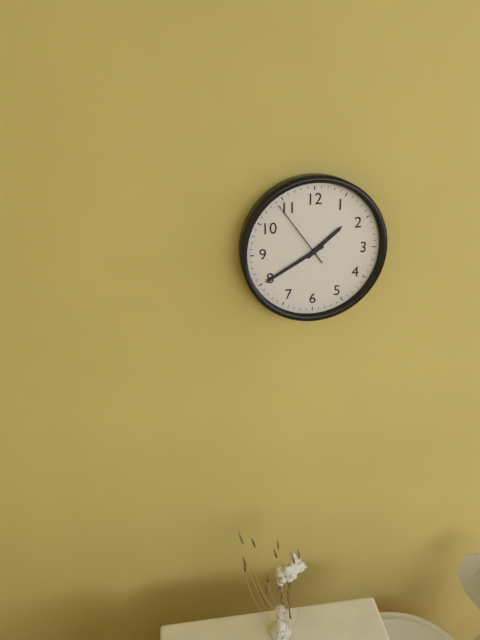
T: 1 h 40 min 54 s
